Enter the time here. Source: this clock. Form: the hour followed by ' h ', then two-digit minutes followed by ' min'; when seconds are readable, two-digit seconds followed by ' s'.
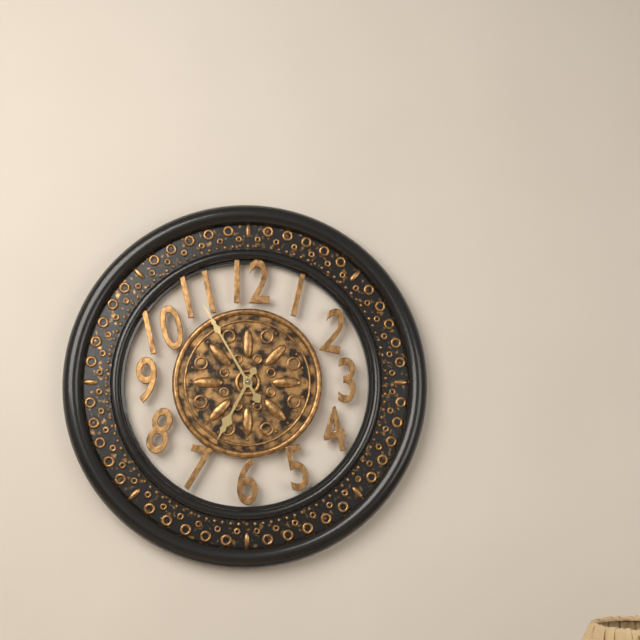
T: 6 h 55 min
